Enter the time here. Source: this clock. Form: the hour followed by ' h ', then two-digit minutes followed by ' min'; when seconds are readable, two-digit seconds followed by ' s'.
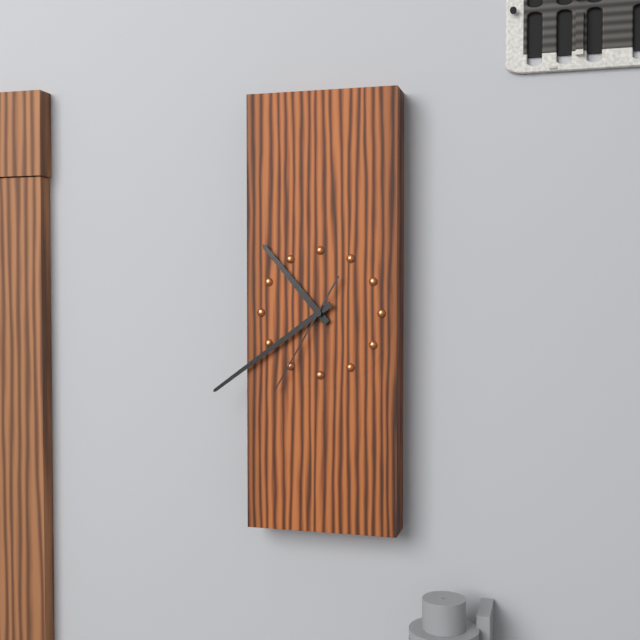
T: 10 h 39 min 35 s
